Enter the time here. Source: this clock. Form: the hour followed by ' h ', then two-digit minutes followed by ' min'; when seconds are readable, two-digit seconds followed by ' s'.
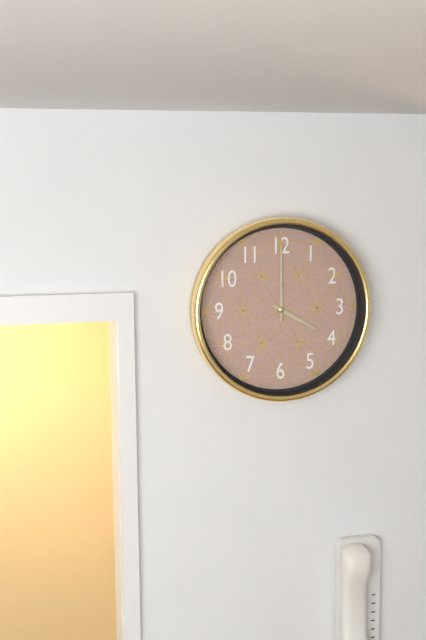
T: 4 h 00 min
